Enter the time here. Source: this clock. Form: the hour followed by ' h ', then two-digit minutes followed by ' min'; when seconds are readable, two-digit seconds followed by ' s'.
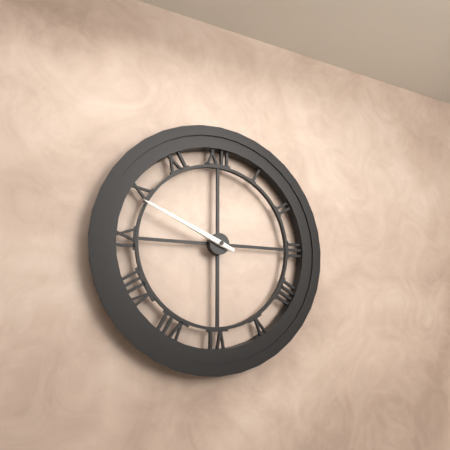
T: 9 h 49 min
